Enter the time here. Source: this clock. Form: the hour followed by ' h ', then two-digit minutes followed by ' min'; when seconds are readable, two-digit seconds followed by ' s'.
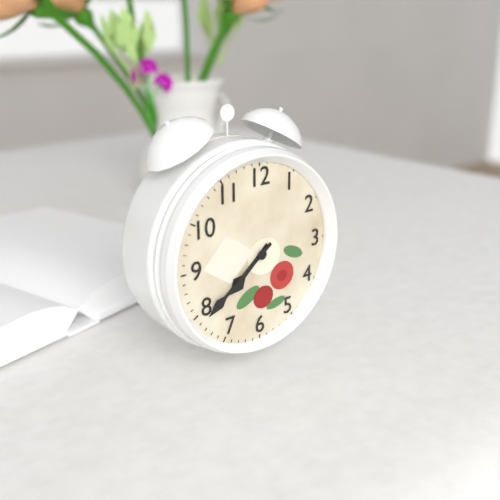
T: 7 h 39 min
